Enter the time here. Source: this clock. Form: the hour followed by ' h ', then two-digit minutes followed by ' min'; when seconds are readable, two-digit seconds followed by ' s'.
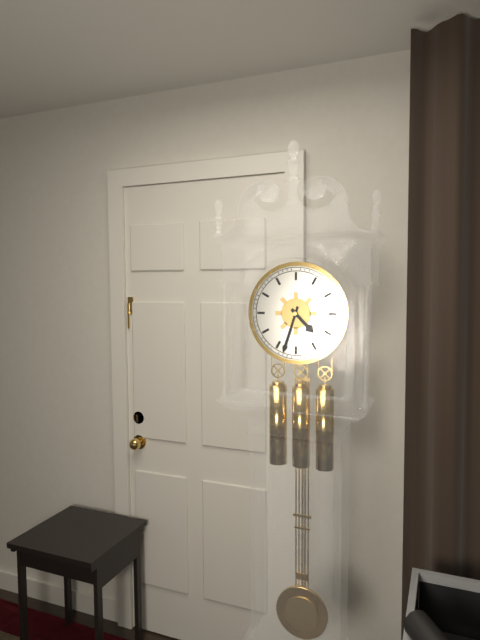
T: 4 h 33 min
